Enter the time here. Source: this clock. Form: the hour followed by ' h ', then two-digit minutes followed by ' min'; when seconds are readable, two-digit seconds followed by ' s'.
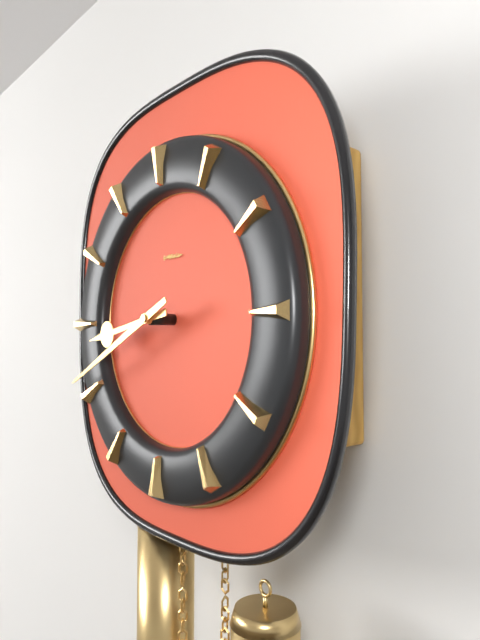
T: 8 h 41 min
